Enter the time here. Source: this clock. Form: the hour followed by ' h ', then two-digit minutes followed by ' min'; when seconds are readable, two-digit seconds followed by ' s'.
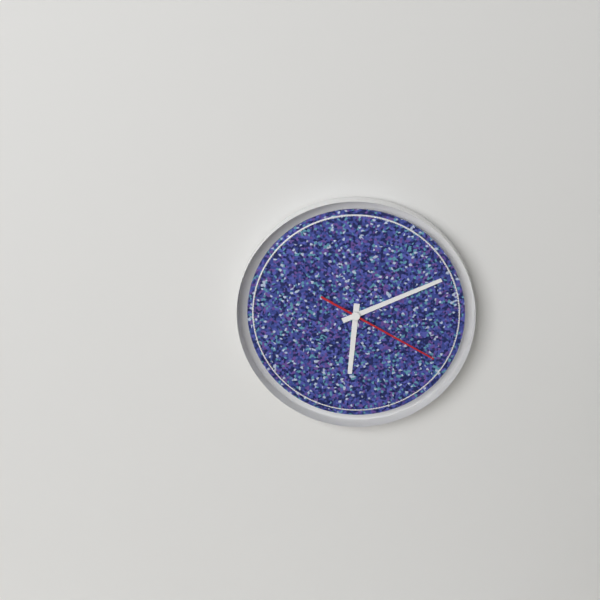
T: 6 h 11 min 20 s
